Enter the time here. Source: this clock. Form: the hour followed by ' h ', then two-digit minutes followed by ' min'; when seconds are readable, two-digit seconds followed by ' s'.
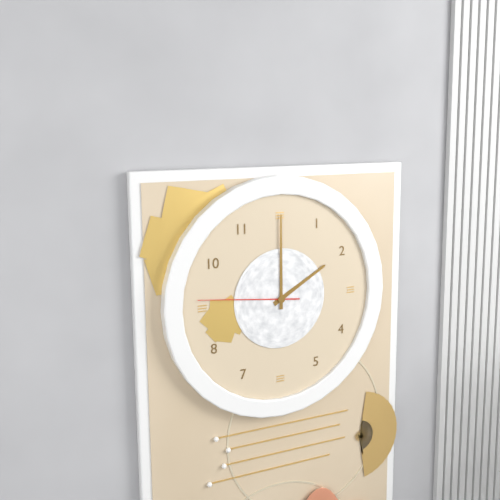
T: 2 h 00 min 46 s
